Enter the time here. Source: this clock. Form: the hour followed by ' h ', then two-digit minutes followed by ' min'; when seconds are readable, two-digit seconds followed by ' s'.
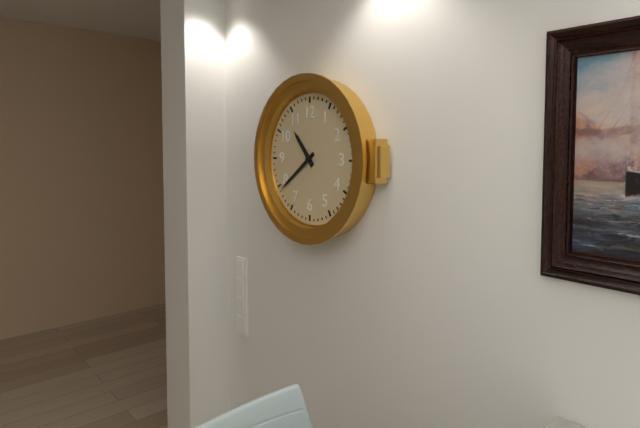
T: 10 h 39 min
